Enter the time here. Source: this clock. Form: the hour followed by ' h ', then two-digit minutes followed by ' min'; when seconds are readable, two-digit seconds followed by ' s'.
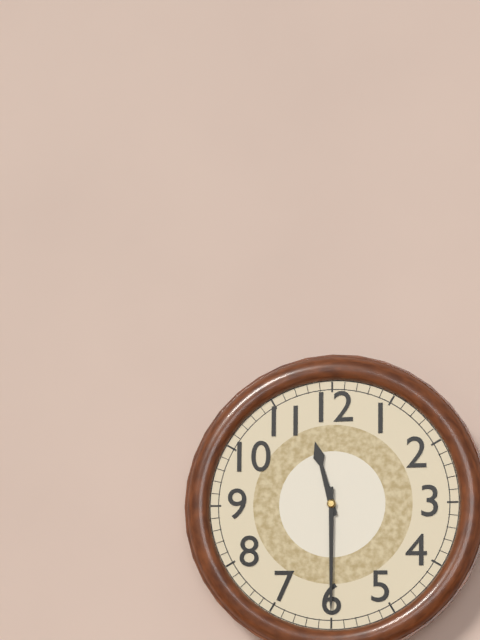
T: 11 h 30 min
